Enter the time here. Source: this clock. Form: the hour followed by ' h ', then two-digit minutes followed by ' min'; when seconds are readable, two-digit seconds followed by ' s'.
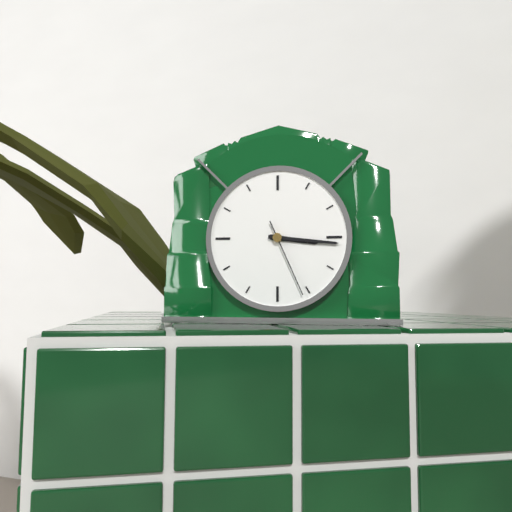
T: 3 h 16 min 26 s
